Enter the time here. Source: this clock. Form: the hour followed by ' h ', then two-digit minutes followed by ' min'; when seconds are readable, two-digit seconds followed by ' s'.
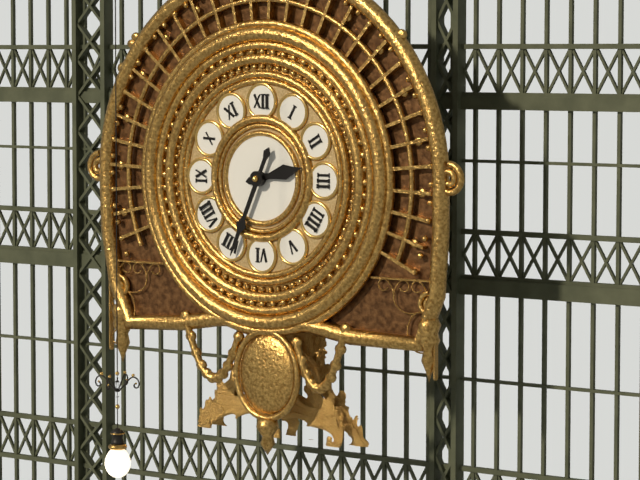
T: 2 h 34 min
